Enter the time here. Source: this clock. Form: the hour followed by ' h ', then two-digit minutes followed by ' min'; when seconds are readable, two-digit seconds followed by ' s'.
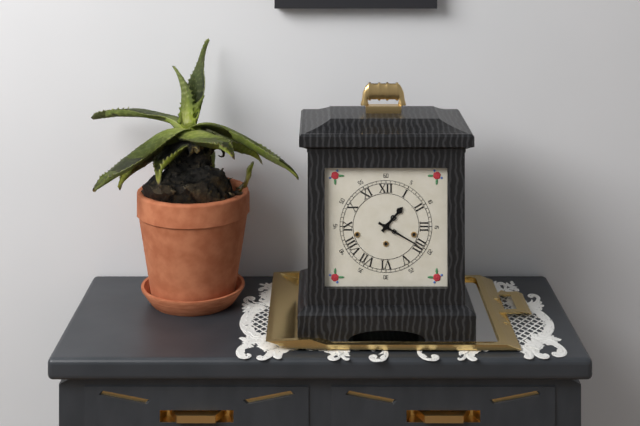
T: 1 h 20 min
